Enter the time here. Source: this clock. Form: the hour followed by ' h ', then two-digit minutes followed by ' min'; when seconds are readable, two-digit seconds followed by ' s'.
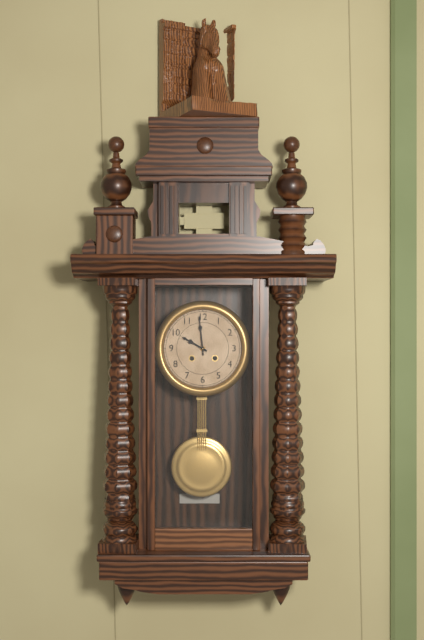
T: 9 h 59 min
